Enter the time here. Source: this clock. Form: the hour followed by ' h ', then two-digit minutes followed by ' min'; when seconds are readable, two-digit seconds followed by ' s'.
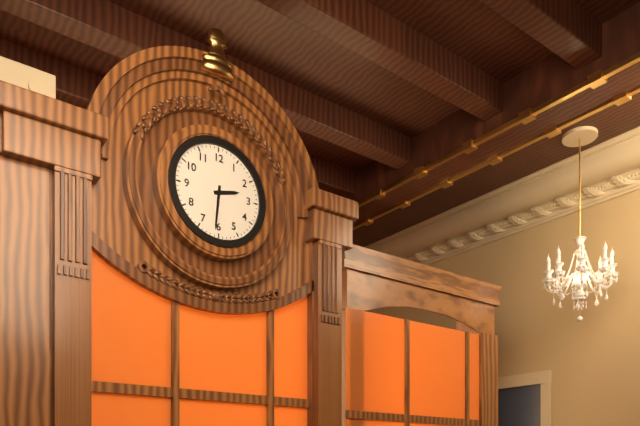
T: 2 h 31 min
